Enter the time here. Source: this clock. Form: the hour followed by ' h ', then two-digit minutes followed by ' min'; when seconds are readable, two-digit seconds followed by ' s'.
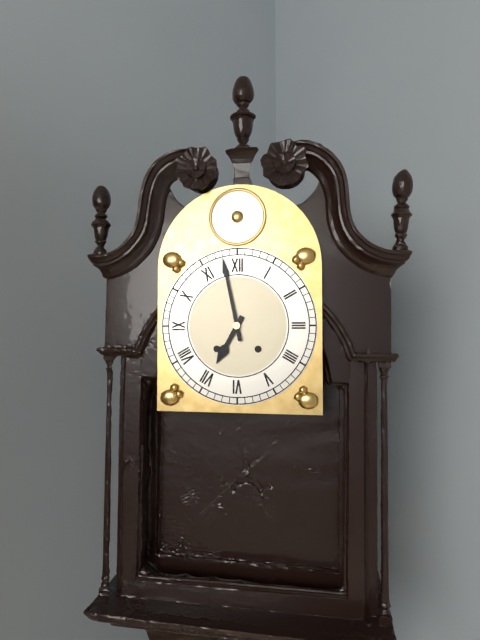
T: 6 h 58 min
